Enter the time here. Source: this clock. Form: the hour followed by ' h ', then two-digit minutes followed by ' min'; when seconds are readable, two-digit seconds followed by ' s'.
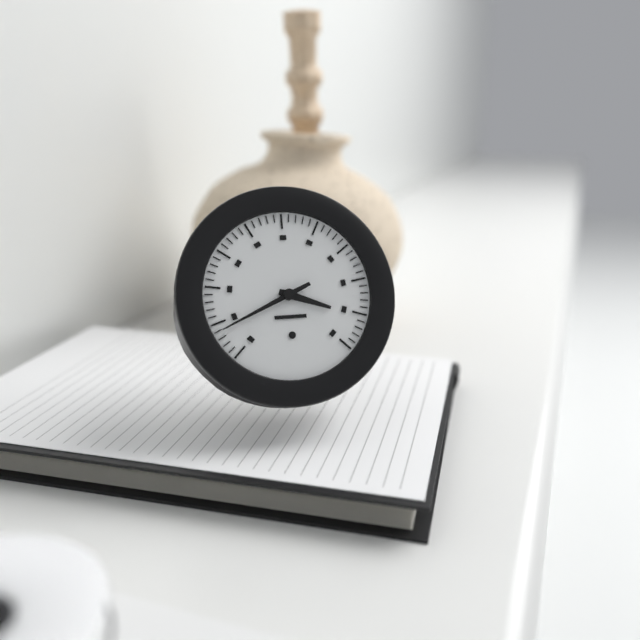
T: 3 h 41 min
